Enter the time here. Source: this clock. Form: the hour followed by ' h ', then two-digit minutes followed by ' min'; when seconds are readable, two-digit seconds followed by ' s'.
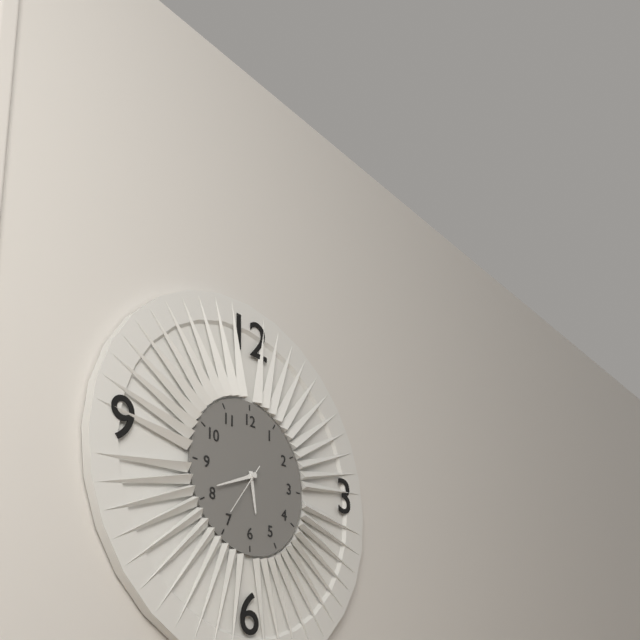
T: 5 h 41 min 36 s
